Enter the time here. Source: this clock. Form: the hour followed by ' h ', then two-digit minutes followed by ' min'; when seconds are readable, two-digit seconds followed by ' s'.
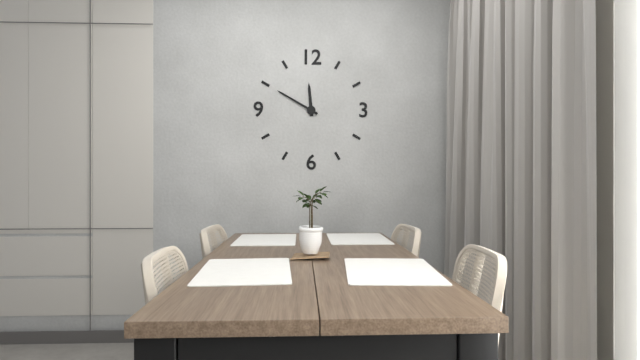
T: 11 h 50 min
